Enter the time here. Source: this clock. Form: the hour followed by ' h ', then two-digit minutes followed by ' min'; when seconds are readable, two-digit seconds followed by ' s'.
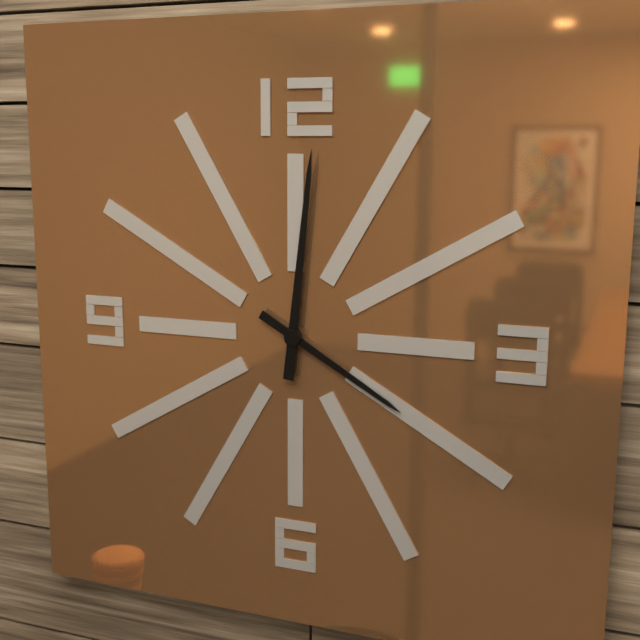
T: 4 h 01 min
